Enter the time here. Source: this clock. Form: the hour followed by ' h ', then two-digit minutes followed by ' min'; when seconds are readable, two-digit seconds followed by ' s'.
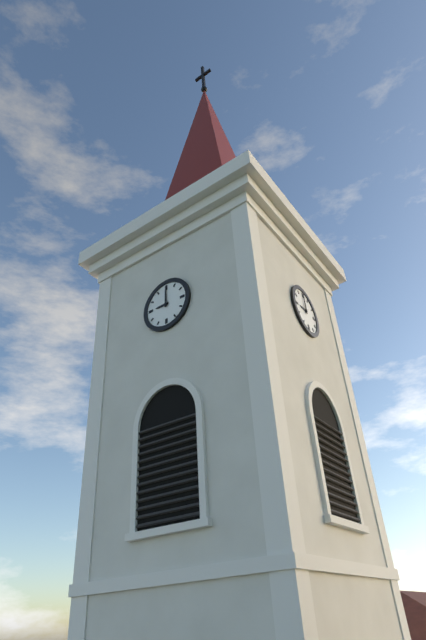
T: 9 h 00 min
